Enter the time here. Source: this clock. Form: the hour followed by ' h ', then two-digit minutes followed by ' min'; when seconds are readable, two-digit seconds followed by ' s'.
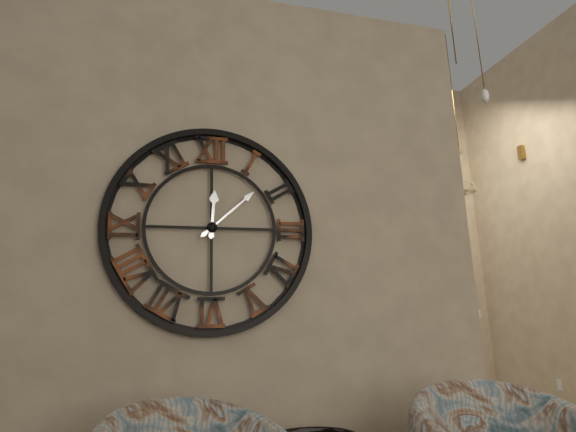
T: 12 h 08 min
